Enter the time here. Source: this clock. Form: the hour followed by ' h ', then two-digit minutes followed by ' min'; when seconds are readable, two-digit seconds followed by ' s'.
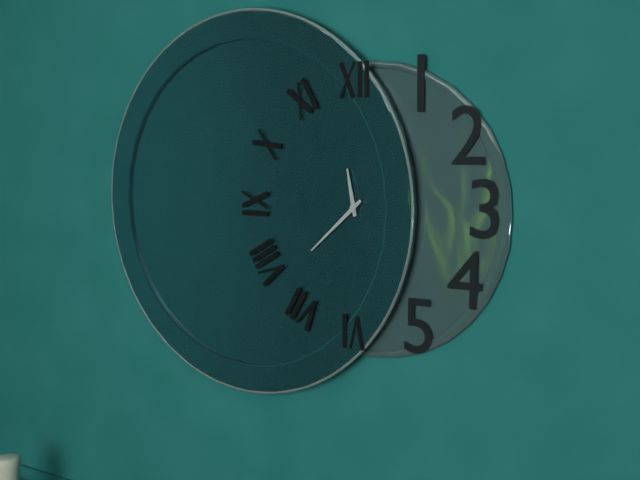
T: 11 h 38 min
